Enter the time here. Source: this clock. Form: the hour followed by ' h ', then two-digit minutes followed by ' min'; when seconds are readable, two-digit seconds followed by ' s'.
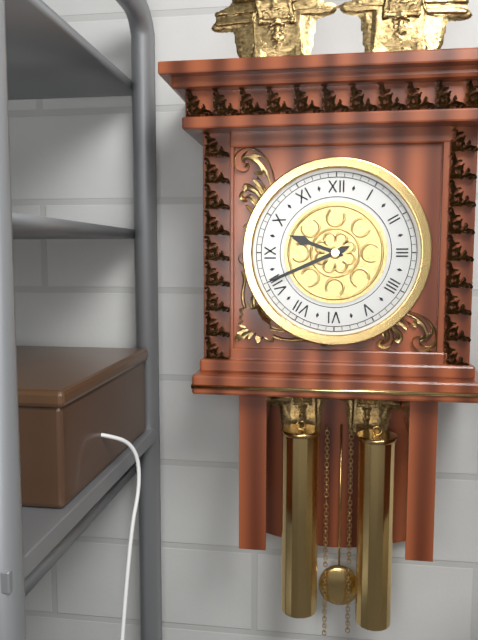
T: 9 h 41 min
